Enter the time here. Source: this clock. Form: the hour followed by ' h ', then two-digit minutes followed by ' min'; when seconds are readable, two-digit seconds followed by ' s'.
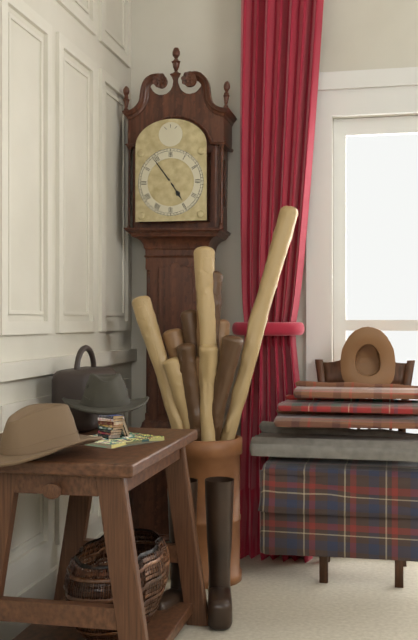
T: 4 h 54 min
